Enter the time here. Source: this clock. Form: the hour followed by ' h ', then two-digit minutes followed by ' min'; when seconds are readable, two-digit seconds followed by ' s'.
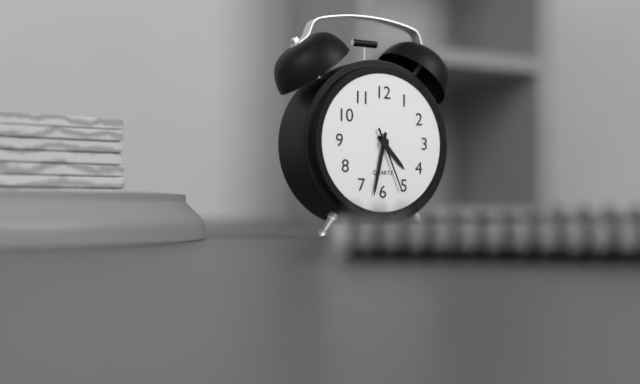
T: 4 h 32 min 26 s
